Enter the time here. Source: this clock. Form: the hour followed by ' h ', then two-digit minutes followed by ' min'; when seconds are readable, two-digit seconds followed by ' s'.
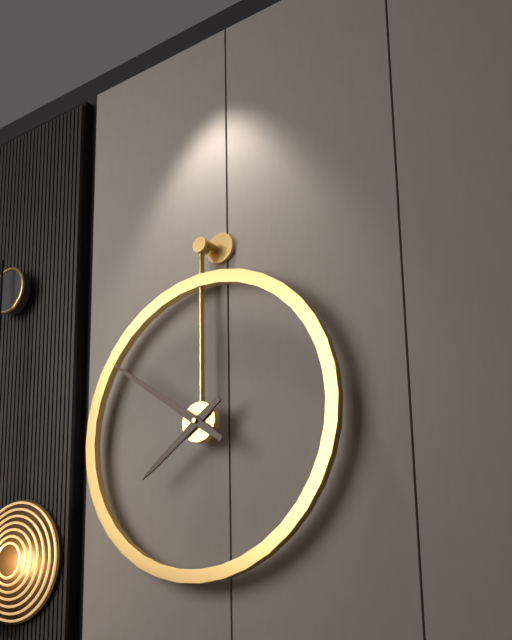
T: 7 h 51 min
